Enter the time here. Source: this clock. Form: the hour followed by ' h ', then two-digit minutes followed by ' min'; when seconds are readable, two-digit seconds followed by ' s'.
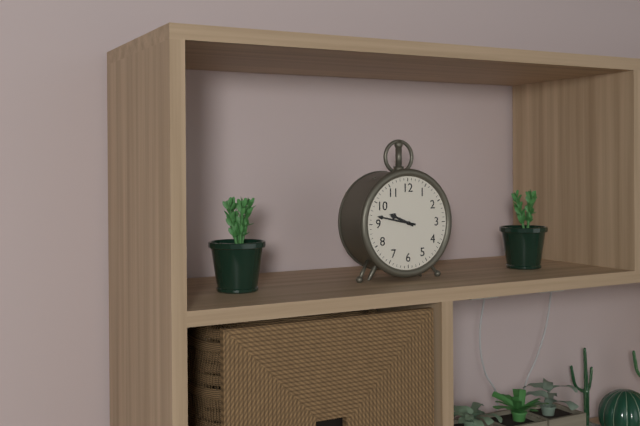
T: 9 h 47 min
